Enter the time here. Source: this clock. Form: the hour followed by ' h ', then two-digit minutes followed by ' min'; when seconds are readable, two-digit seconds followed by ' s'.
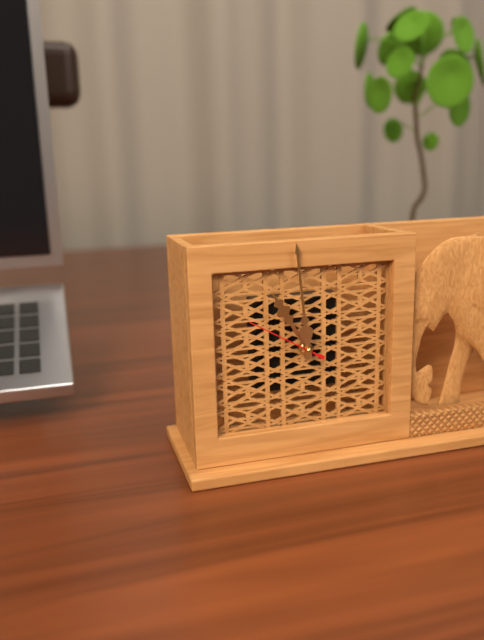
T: 10 h 59 min 50 s
